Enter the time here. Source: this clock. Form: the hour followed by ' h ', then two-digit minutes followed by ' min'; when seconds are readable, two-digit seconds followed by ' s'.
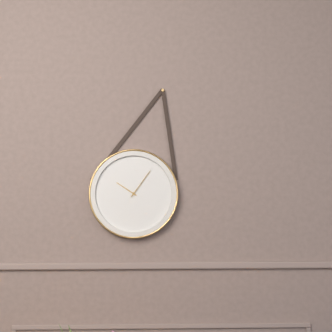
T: 10 h 06 min
